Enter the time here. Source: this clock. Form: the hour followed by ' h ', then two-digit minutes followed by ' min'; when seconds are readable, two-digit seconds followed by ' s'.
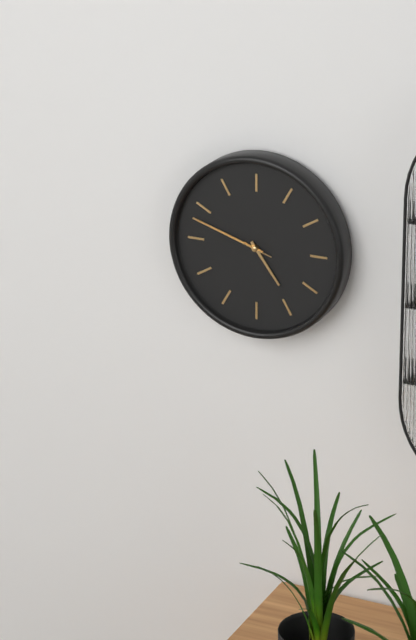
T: 4 h 48 min 48 s
